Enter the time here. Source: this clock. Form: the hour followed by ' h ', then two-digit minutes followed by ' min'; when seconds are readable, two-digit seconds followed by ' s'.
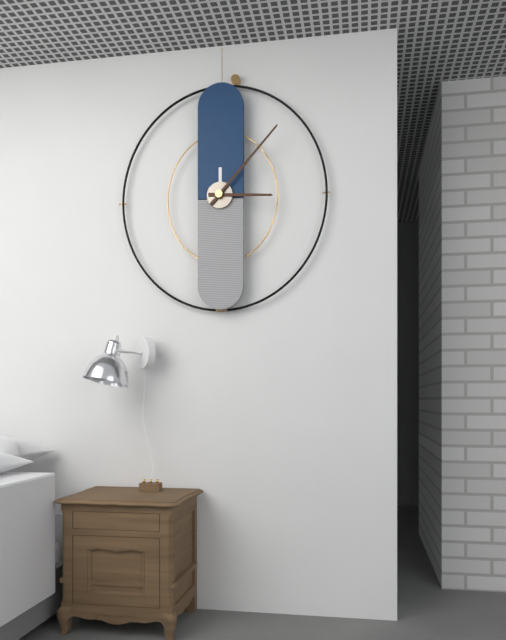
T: 3 h 07 min
